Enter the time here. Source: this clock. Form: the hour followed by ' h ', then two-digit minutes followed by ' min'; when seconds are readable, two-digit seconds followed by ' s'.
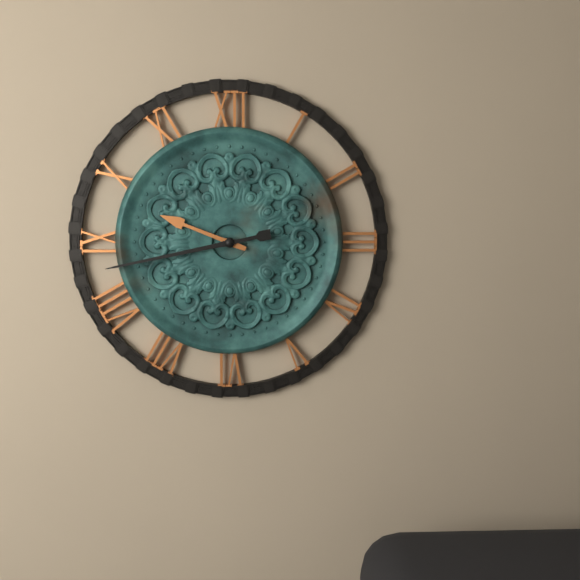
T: 9 h 43 min
